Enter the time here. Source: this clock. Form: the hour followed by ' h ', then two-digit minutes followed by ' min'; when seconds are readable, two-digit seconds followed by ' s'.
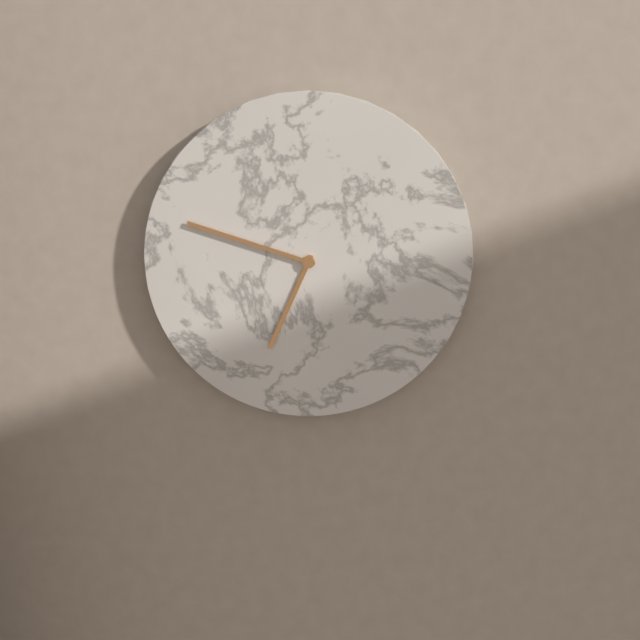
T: 6 h 48 min
